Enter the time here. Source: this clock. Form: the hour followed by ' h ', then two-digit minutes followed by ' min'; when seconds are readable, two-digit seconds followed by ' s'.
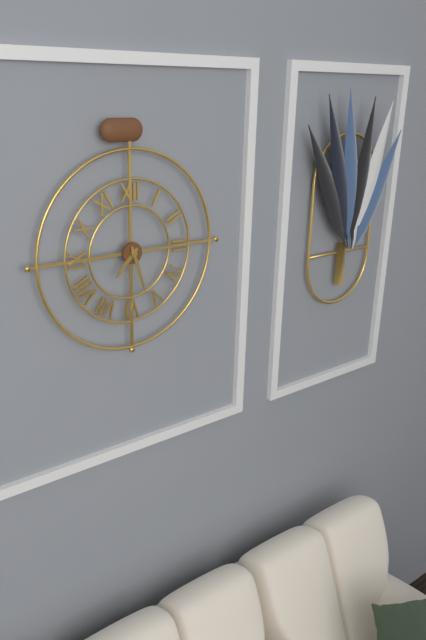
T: 7 h 27 min
